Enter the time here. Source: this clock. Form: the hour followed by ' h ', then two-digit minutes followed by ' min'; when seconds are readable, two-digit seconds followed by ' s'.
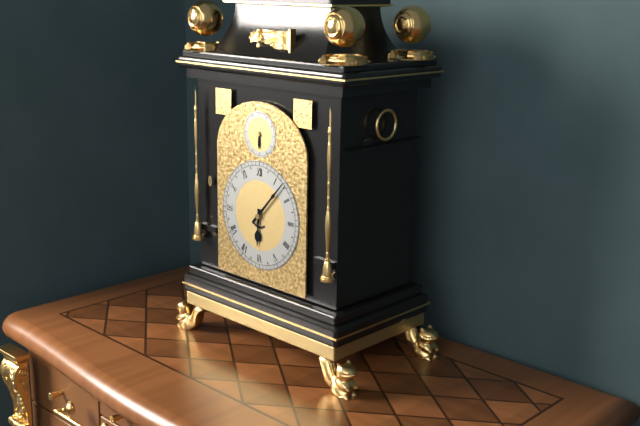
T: 6 h 07 min
